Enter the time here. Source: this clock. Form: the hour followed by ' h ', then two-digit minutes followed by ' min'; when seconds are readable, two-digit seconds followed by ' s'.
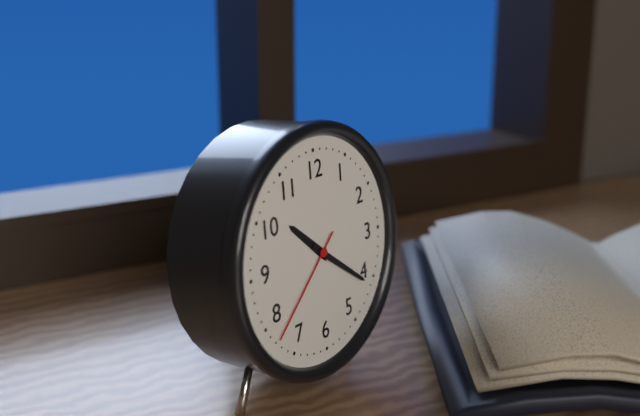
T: 10 h 21 min 38 s
